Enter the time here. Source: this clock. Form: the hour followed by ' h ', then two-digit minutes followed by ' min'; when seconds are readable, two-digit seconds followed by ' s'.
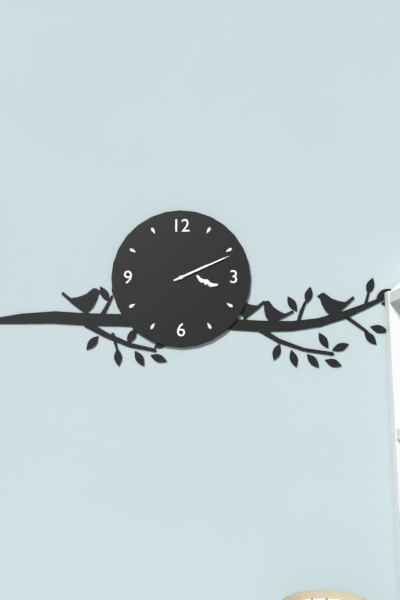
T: 2 h 11 min
